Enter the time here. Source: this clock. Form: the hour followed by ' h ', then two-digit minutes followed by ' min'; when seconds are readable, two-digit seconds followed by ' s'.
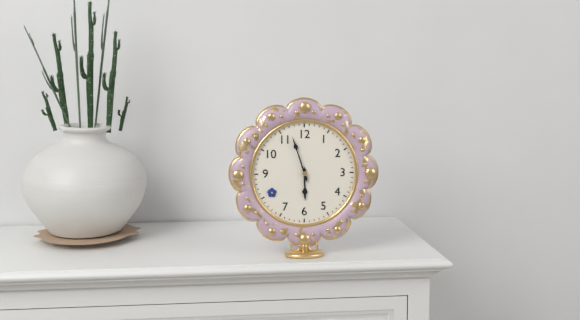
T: 5 h 57 min
